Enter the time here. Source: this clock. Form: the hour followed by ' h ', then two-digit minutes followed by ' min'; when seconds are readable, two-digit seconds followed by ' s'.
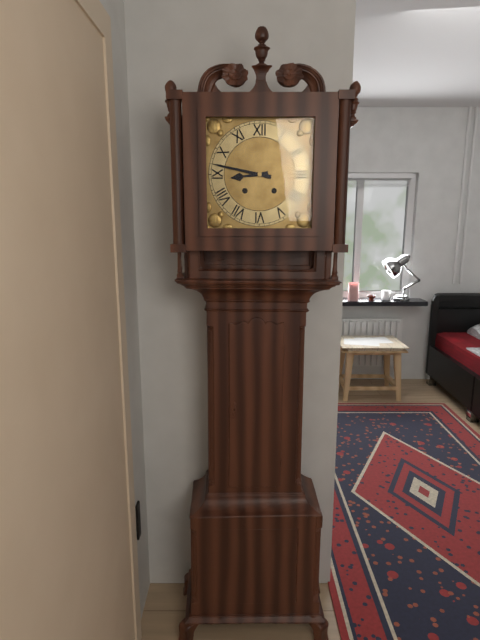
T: 8 h 47 min
